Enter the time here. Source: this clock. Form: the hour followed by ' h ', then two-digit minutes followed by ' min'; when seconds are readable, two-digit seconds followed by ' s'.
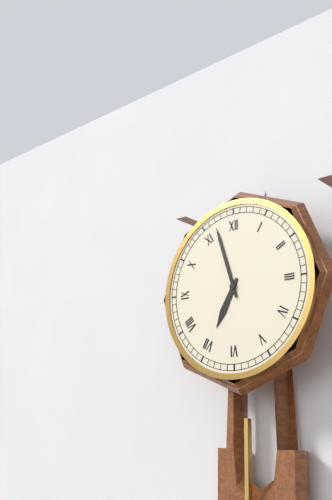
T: 6 h 57 min
